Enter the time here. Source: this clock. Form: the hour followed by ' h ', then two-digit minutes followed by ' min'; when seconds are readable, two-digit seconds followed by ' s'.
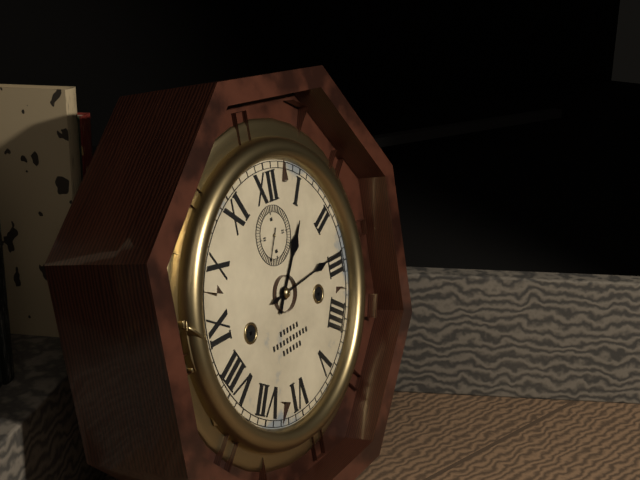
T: 1 h 14 min
